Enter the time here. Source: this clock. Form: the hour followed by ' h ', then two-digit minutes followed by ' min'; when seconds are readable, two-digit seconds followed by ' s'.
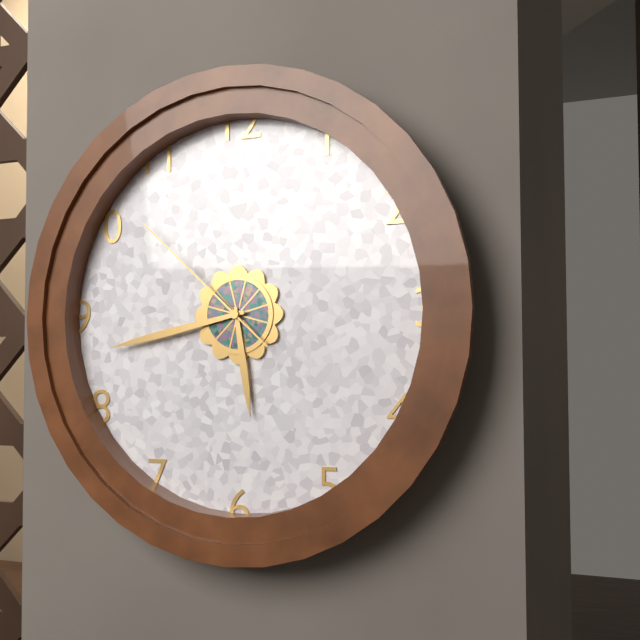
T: 5 h 43 min 52 s
